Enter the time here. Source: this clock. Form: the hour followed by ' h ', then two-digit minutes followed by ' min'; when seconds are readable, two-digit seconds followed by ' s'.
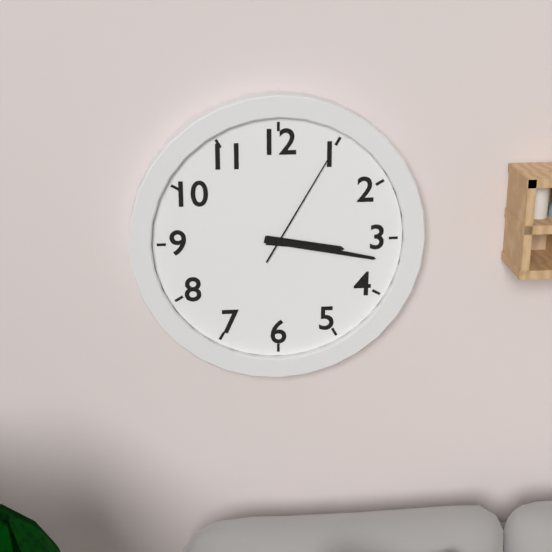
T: 3 h 17 min 05 s
